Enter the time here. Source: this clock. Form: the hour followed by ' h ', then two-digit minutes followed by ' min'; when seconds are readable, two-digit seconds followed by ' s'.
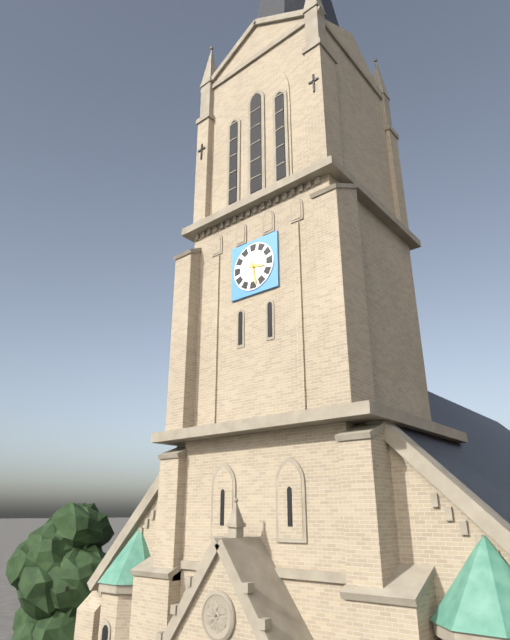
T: 3 h 28 min
